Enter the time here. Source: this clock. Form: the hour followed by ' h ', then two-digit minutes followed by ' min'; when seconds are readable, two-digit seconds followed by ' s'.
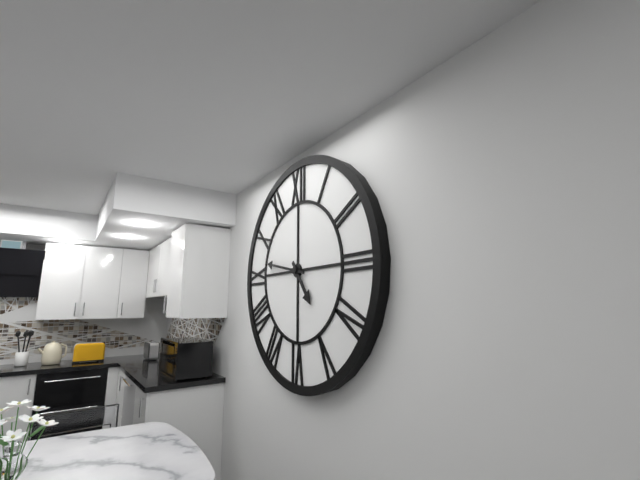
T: 4 h 47 min
